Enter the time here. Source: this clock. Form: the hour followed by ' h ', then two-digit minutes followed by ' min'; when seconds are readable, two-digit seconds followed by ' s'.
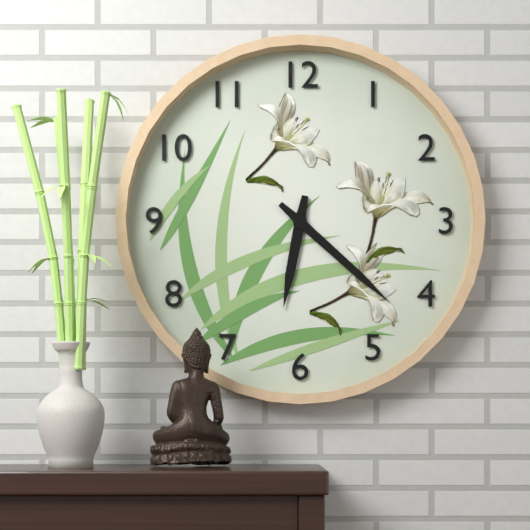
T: 6 h 22 min
